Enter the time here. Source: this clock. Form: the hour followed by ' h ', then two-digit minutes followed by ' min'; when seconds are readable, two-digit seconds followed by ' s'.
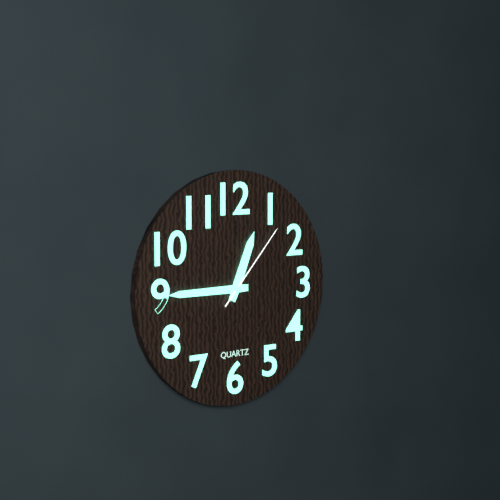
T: 12 h 45 min 07 s
